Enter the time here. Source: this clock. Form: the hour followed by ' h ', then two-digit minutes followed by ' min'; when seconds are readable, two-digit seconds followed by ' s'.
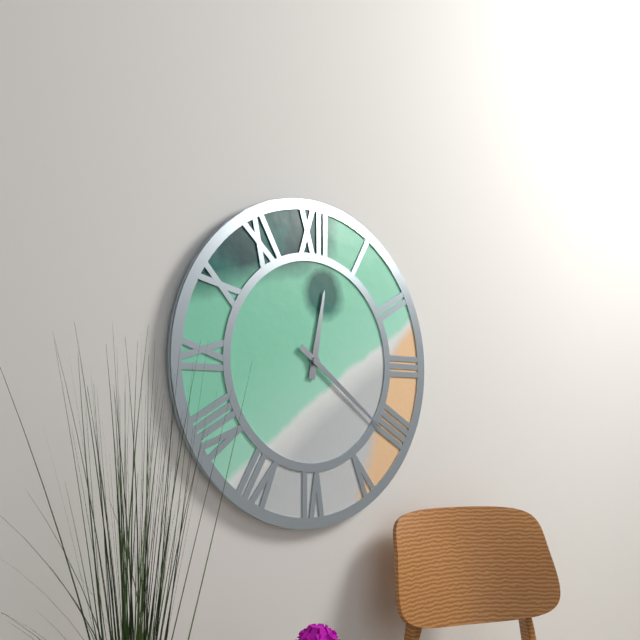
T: 12 h 21 min
